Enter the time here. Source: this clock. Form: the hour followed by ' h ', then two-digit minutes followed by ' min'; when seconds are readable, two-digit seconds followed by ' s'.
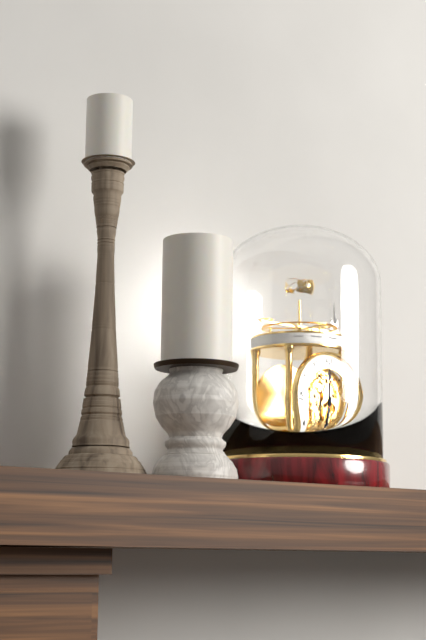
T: 12 h 00 min
